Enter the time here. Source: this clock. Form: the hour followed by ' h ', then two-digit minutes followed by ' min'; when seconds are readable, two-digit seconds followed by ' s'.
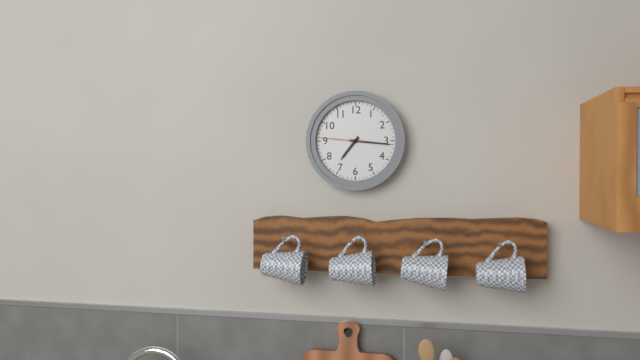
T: 7 h 16 min
